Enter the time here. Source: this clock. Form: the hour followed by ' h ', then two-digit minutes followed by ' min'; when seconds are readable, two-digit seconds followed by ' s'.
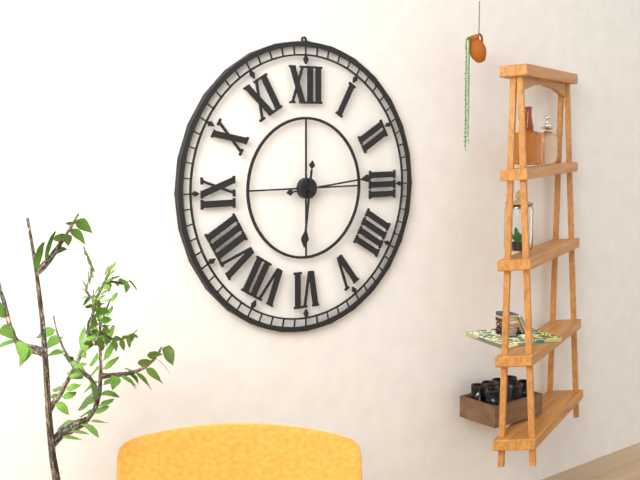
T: 6 h 14 min
